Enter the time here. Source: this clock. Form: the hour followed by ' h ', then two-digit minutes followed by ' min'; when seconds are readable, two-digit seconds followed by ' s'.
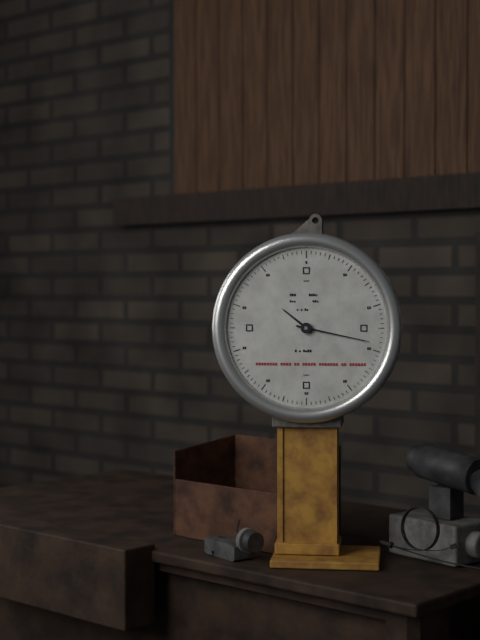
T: 10 h 17 min
